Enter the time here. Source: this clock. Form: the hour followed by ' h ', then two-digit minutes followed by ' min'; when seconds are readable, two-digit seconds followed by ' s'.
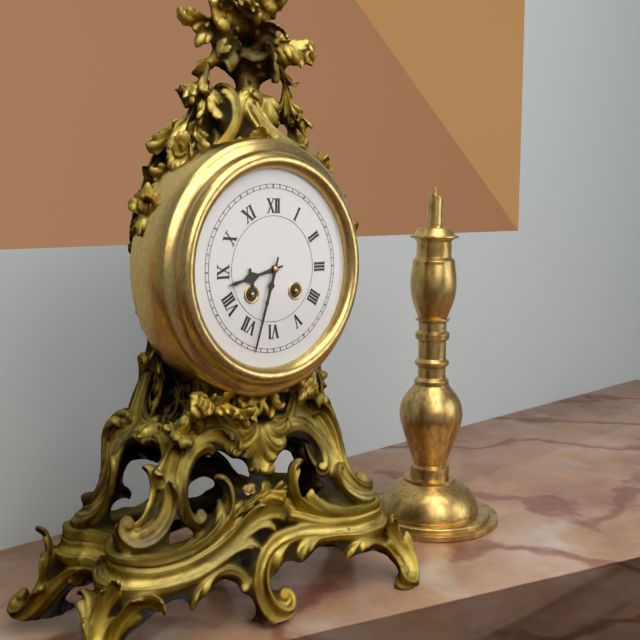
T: 8 h 33 min
